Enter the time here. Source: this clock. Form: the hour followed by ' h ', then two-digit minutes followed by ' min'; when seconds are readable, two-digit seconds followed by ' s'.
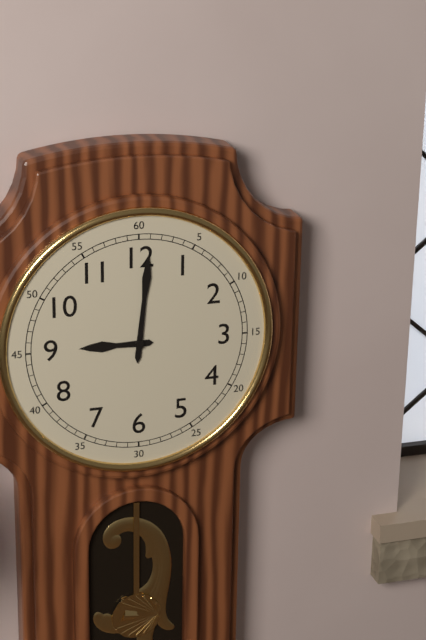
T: 9 h 01 min
